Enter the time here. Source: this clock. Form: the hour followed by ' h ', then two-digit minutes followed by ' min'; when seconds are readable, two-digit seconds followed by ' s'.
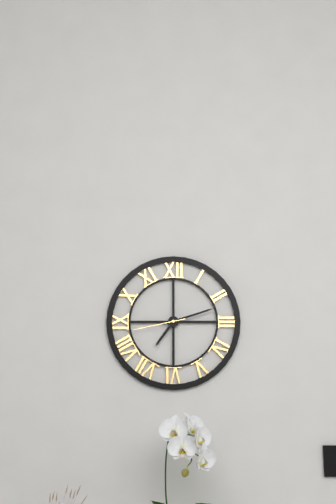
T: 7 h 12 min 43 s
